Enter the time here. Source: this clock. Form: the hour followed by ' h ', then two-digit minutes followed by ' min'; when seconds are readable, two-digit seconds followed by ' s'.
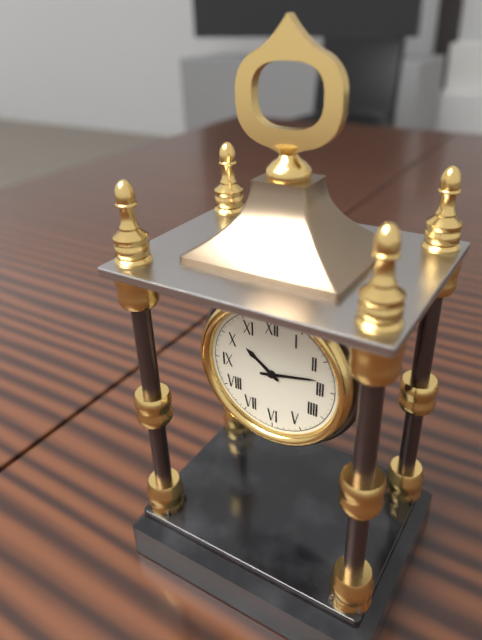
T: 10 h 13 min
